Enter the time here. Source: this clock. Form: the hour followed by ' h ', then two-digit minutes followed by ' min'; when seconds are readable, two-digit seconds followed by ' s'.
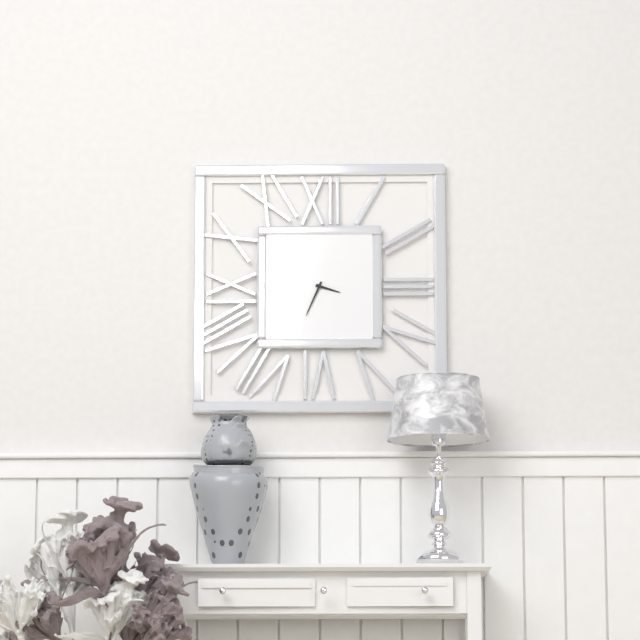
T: 3 h 34 min
